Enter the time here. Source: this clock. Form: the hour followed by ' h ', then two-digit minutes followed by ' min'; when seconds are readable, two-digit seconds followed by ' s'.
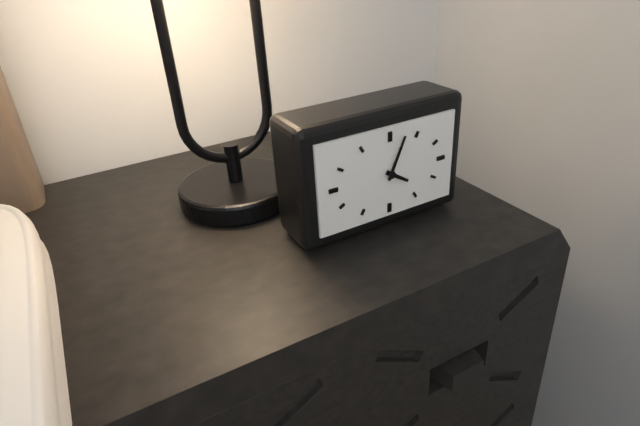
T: 4 h 04 min
